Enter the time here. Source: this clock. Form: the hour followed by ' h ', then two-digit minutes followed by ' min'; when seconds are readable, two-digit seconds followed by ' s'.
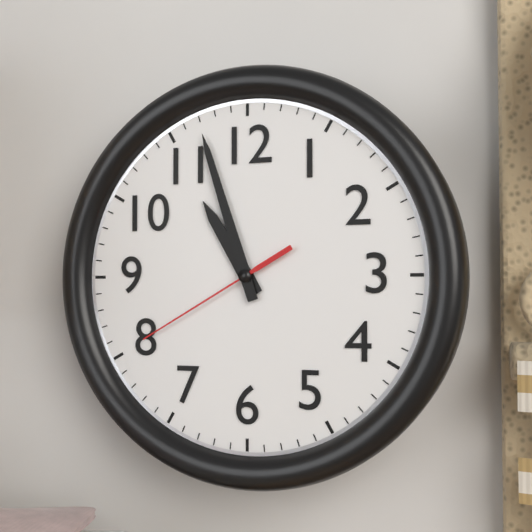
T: 10 h 57 min 40 s
